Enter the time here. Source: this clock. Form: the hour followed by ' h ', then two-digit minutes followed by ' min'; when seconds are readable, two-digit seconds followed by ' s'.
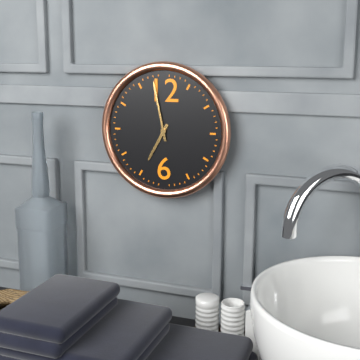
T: 6 h 58 min
